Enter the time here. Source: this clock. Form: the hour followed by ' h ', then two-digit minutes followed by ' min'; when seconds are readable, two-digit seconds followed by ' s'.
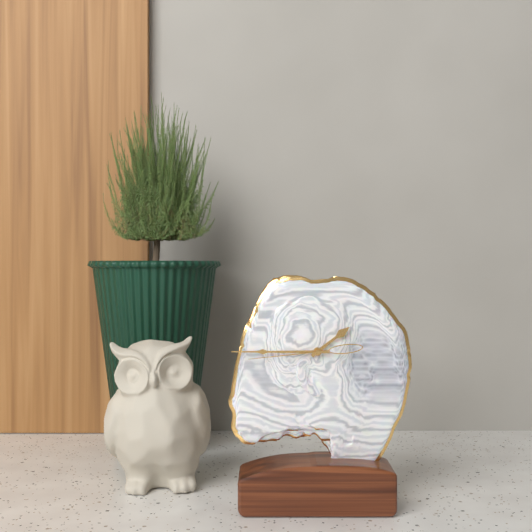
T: 1 h 45 min 44 s
